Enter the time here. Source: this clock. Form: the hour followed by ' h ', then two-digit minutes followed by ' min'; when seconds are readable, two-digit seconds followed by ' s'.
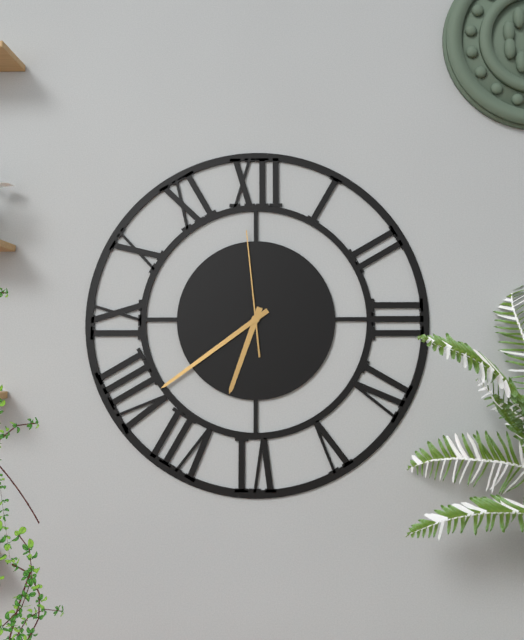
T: 6 h 39 min 59 s
